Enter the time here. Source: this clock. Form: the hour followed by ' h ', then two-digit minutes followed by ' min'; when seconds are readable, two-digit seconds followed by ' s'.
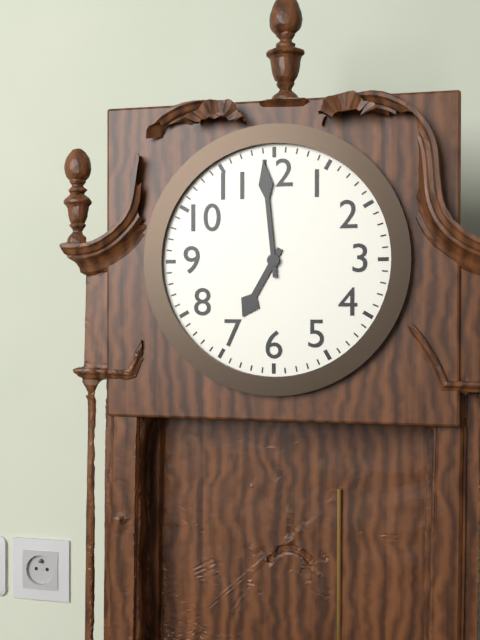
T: 6 h 59 min
